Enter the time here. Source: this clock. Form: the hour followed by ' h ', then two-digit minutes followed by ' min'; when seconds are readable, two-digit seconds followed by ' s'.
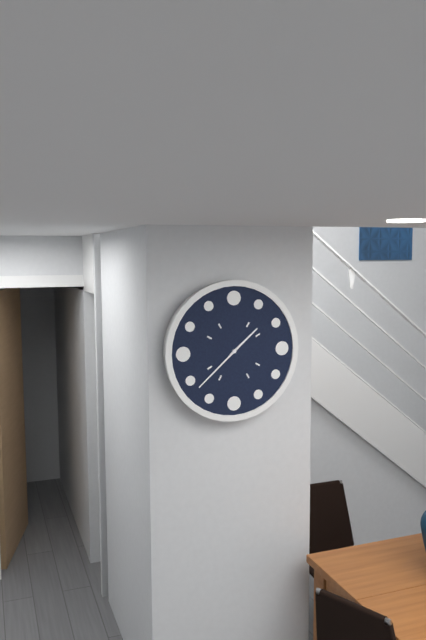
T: 1 h 38 min
